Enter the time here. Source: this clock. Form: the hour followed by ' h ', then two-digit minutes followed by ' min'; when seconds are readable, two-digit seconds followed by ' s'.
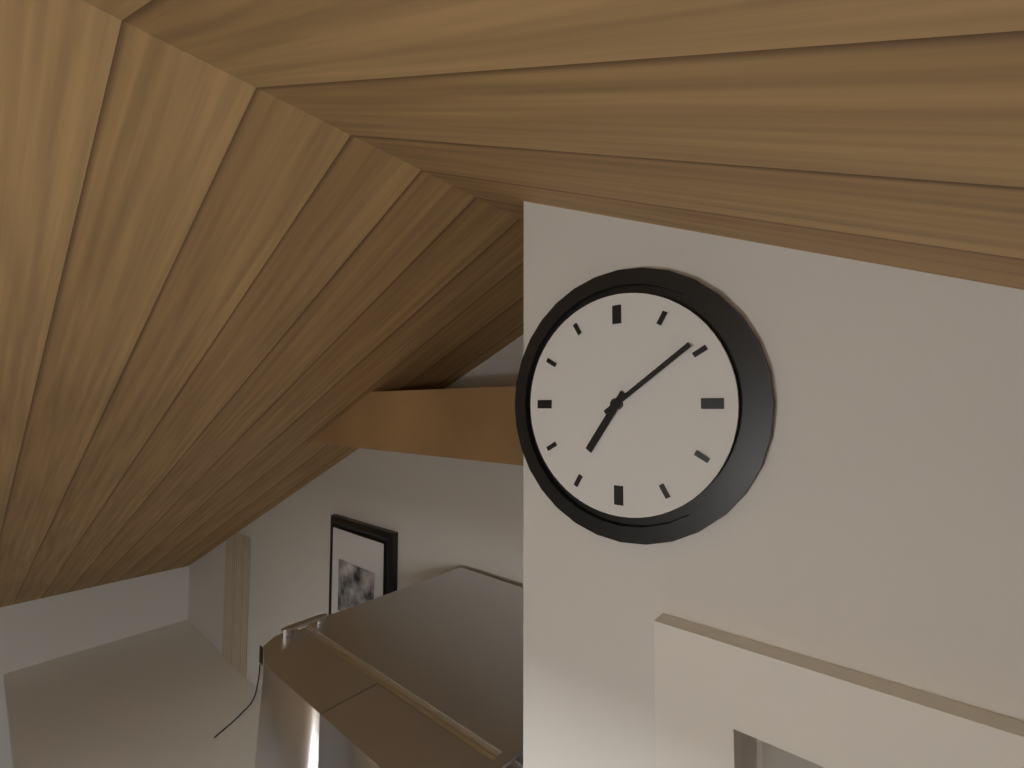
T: 7 h 09 min
